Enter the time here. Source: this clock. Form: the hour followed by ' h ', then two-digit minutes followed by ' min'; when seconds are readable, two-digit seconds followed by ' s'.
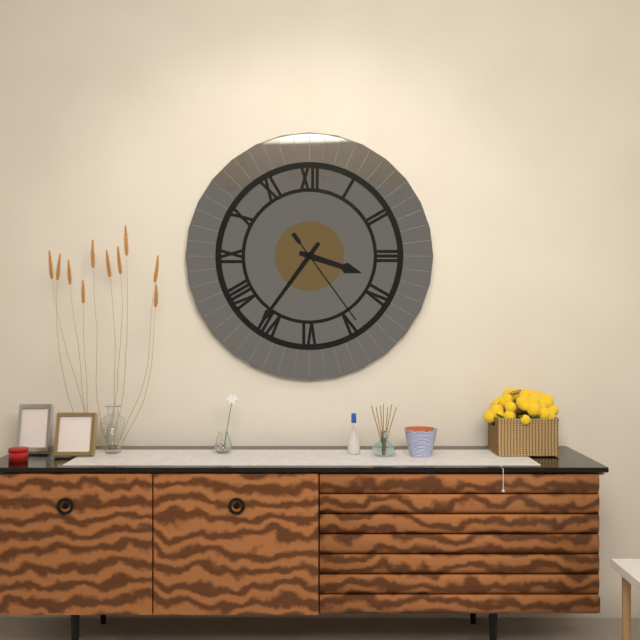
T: 3 h 36 min 24 s
